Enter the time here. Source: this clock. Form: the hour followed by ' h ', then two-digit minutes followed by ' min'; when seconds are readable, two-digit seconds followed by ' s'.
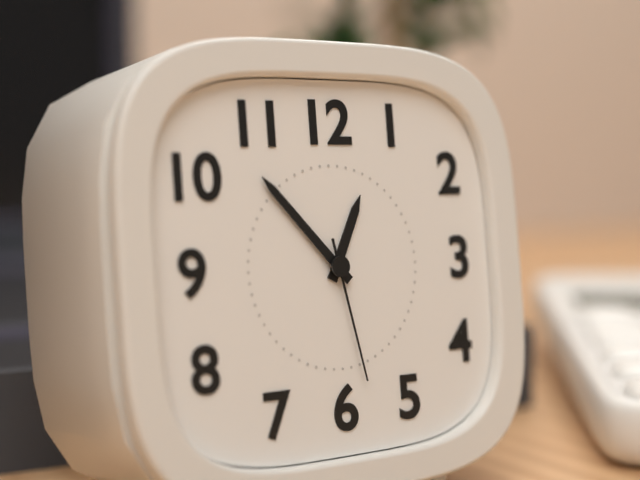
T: 12 h 53 min 28 s
